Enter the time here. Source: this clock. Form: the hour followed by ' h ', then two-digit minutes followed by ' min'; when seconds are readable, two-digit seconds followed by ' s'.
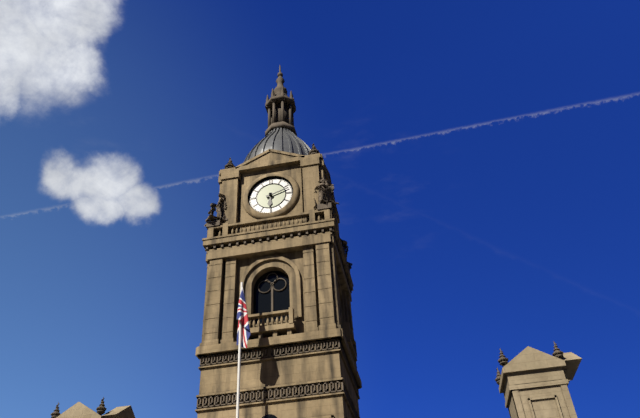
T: 6 h 12 min
